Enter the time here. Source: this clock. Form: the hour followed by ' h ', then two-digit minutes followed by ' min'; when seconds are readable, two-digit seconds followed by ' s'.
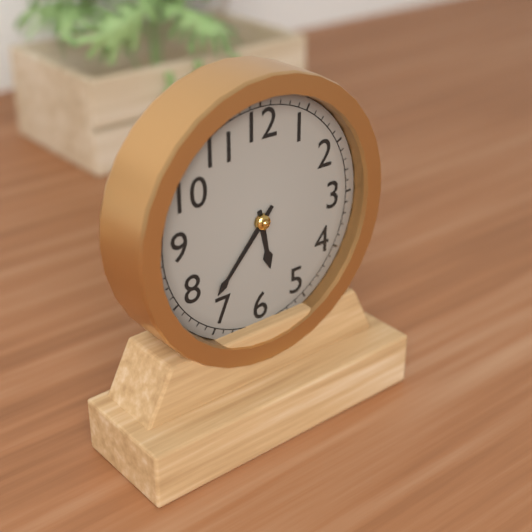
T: 5 h 37 min
